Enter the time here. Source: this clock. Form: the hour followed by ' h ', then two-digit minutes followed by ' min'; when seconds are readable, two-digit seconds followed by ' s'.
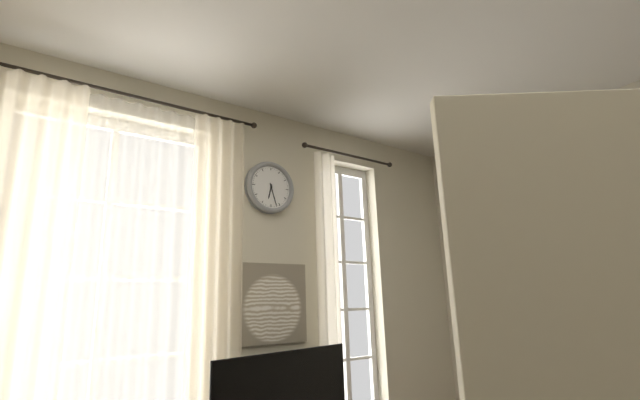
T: 6 h 27 min
